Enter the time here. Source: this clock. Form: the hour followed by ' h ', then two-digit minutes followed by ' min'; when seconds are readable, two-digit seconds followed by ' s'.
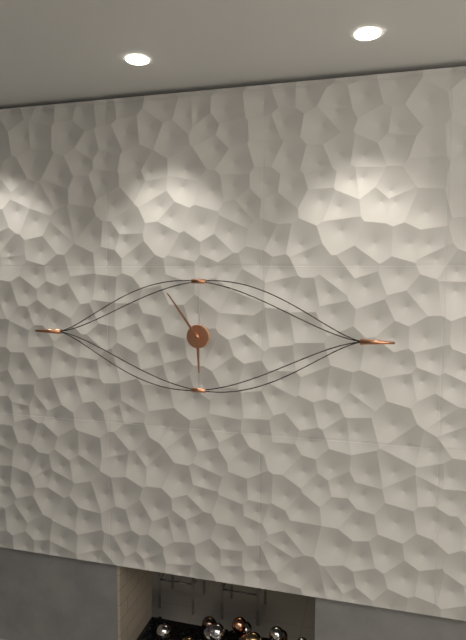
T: 5 h 54 min
